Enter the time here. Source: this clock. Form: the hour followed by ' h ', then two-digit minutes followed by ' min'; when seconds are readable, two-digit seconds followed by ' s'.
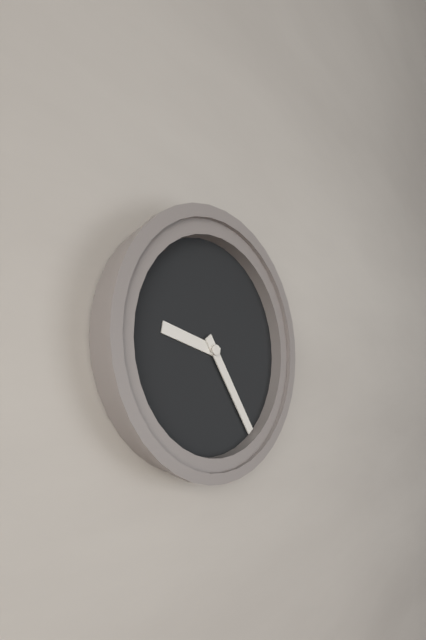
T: 9 h 24 min
